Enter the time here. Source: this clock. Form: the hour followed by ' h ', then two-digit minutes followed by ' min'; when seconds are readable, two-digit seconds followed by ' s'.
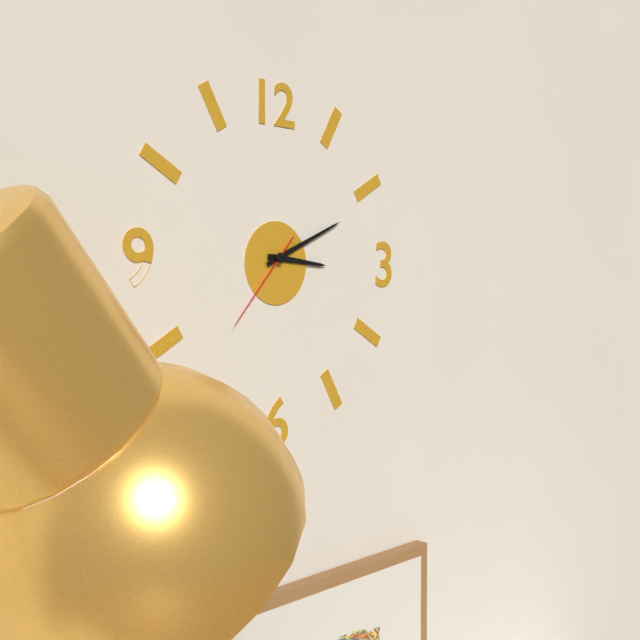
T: 3 h 11 min 37 s
